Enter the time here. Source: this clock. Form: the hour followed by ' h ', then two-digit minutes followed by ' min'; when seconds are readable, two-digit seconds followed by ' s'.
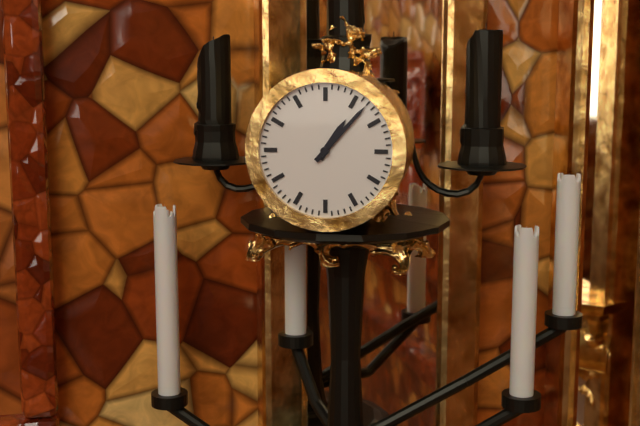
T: 1 h 07 min
